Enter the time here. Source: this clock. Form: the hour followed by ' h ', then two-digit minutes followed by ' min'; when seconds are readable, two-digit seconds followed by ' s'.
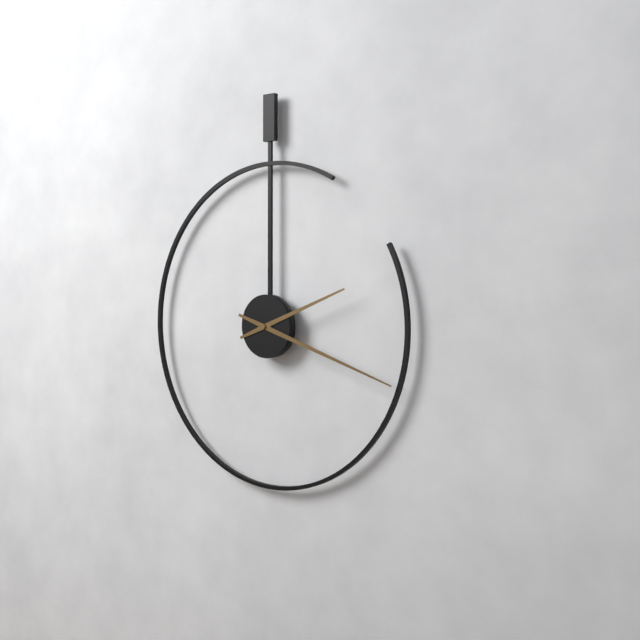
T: 2 h 18 min
